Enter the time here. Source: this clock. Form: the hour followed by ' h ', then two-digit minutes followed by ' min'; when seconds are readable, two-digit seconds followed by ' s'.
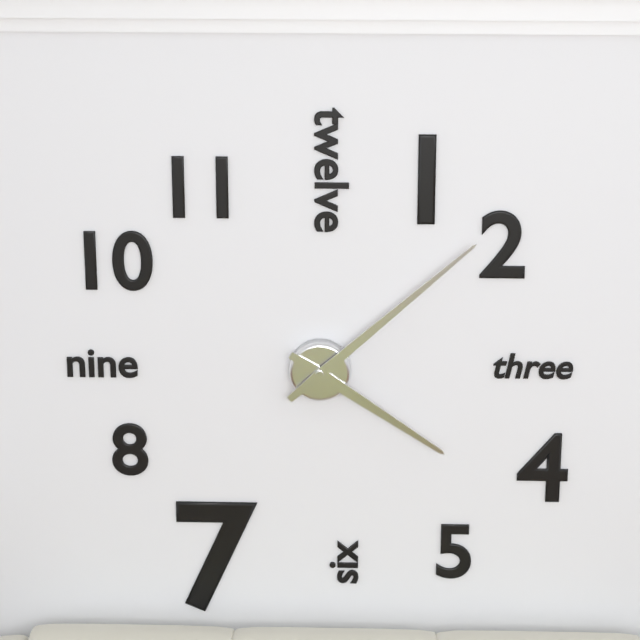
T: 4 h 08 min
